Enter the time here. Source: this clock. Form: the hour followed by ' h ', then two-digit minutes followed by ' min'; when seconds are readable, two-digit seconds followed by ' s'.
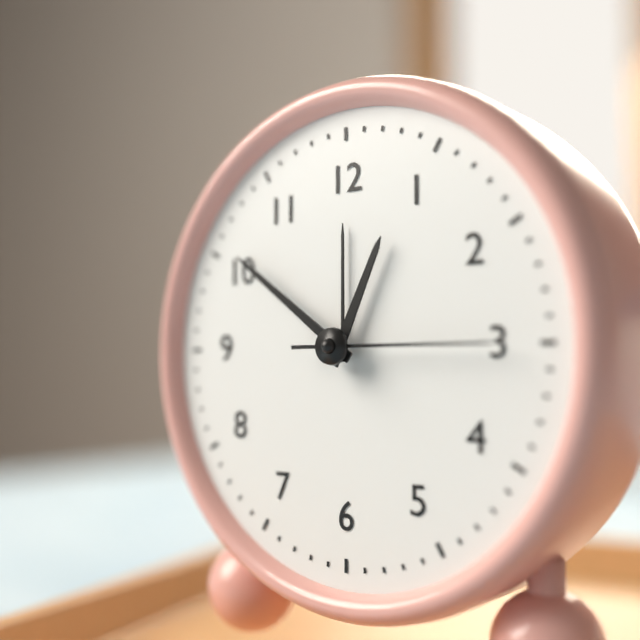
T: 12 h 51 min 15 s
